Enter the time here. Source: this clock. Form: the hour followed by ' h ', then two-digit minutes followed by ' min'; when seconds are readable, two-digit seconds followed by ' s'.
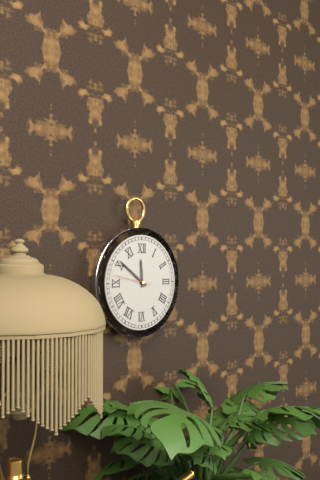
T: 11 h 51 min
